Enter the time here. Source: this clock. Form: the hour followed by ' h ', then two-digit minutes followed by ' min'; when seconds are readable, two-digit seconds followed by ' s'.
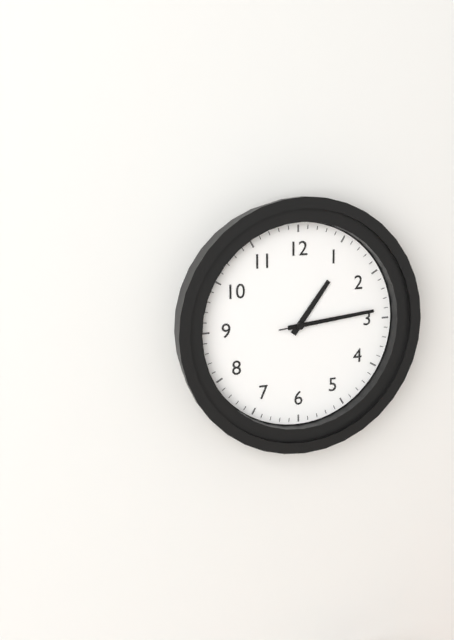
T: 1 h 14 min 14 s
